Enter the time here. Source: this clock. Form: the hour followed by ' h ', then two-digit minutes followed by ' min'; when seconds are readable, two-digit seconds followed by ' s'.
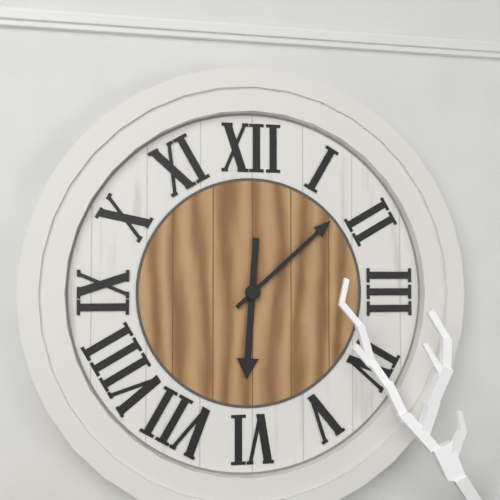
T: 6 h 08 min
